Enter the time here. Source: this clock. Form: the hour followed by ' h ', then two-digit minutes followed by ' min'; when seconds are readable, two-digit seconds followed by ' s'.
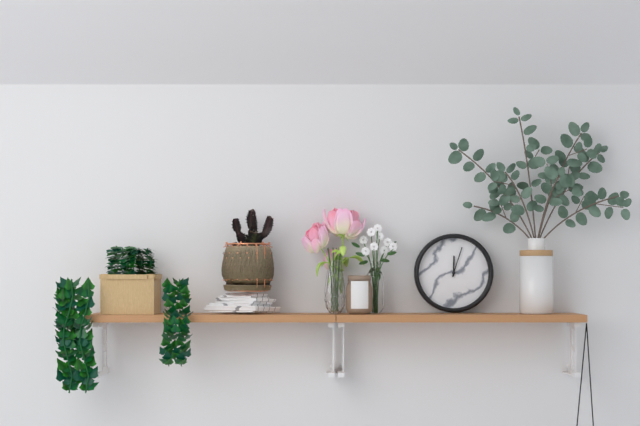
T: 12 h 03 min
